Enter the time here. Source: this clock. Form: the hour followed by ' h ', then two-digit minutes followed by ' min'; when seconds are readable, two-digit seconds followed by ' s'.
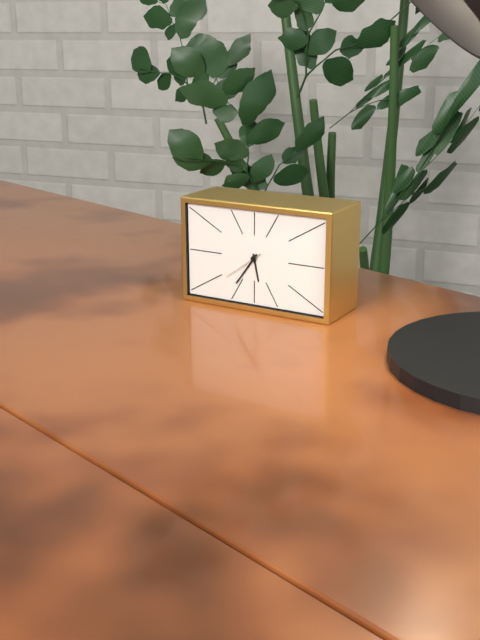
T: 5 h 36 min
